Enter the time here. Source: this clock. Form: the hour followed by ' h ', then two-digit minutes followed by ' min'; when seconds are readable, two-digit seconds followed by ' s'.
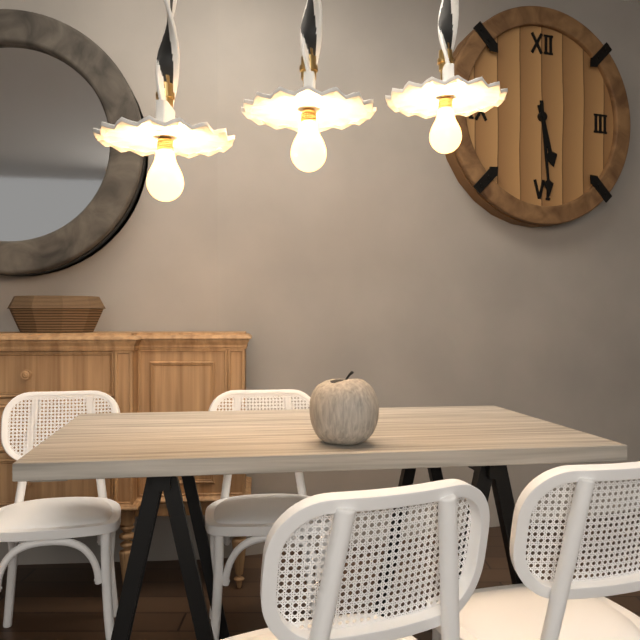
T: 5 h 29 min
